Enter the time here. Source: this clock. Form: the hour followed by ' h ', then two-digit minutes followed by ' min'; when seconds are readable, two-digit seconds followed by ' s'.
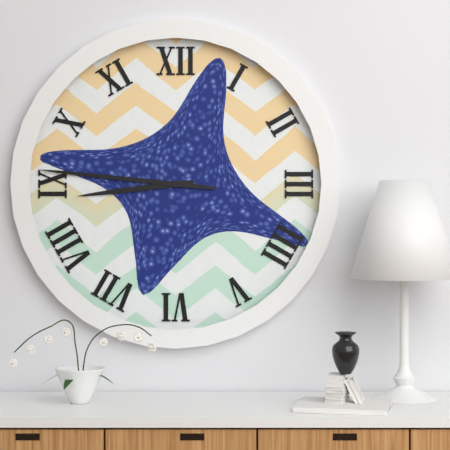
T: 8 h 46 min
